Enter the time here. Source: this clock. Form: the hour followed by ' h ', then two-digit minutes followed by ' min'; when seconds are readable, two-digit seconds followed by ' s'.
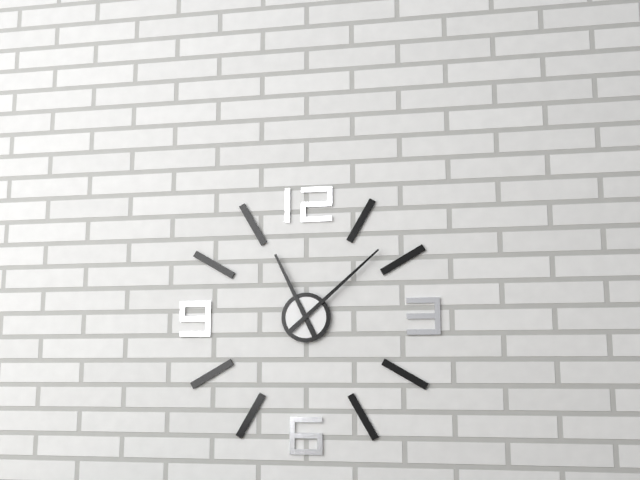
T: 11 h 08 min
